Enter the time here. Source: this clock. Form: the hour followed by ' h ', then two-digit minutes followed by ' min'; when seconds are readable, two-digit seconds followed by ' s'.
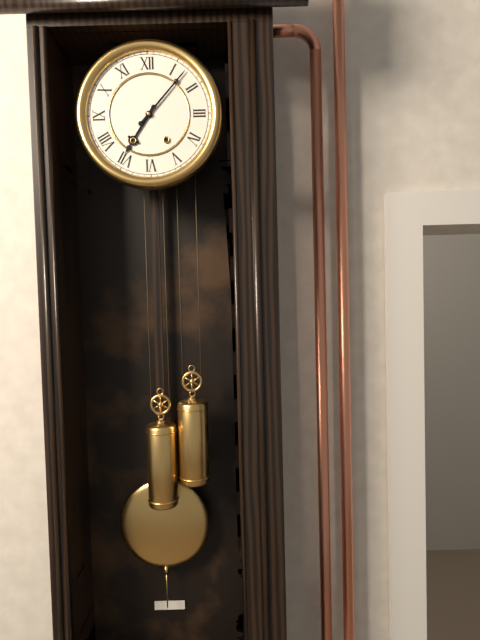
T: 7 h 07 min
